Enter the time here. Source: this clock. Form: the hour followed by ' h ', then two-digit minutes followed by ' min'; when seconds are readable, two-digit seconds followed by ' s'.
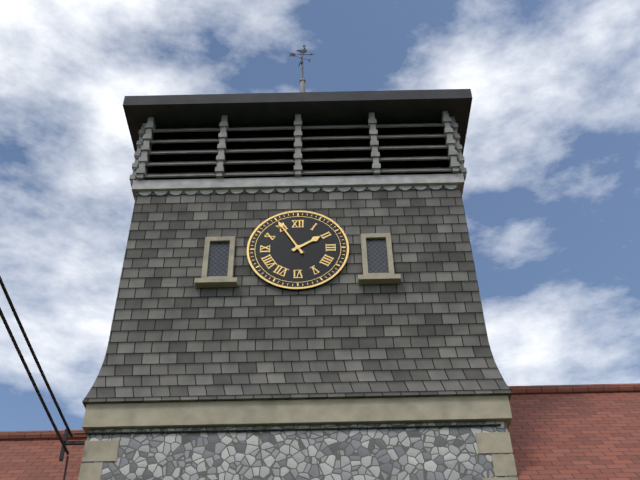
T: 1 h 55 min
